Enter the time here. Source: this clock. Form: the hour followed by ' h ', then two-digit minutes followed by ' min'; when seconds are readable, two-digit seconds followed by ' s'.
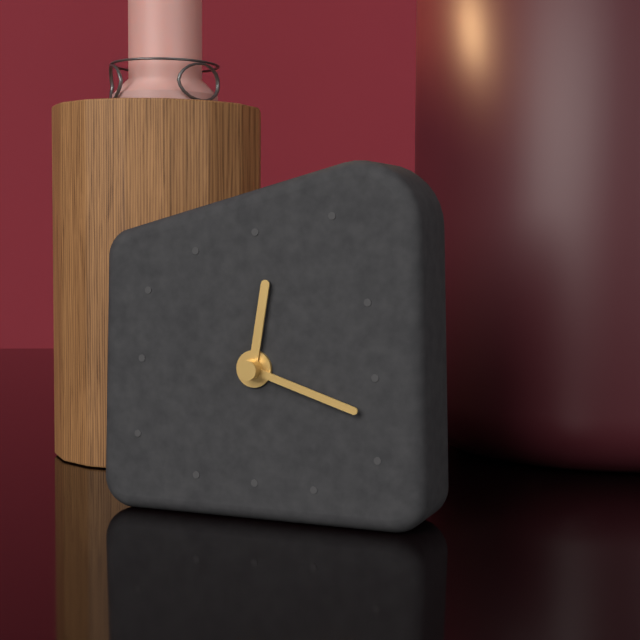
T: 12 h 18 min
